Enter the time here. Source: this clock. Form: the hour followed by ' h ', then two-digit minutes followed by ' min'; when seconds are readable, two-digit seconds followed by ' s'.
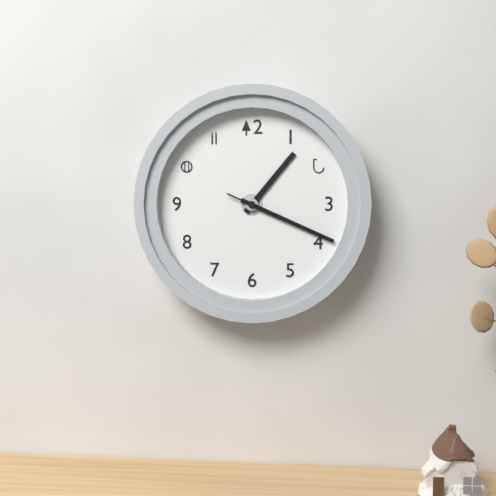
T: 1 h 19 min 19 s
